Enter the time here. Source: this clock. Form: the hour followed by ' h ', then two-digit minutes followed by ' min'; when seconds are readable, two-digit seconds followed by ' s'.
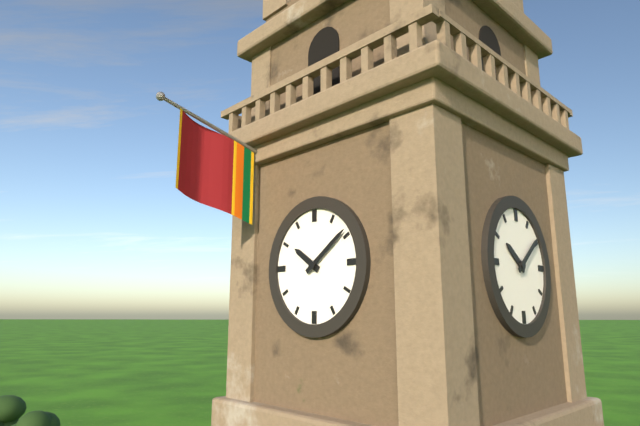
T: 10 h 09 min
